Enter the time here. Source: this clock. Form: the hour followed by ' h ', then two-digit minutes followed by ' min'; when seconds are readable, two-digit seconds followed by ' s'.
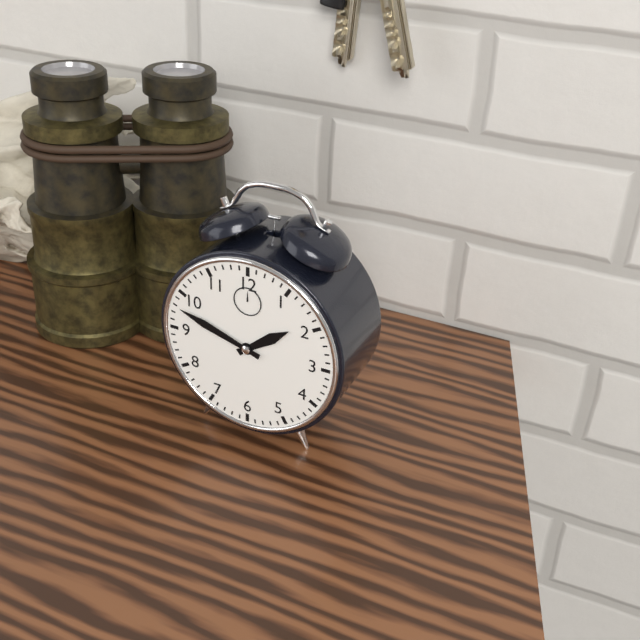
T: 1 h 48 min
